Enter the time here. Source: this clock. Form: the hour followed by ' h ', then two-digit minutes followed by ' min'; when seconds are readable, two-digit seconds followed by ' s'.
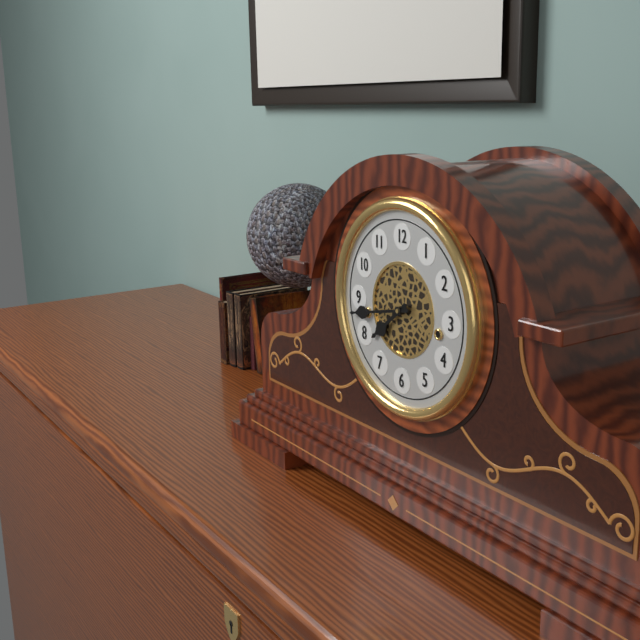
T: 7 h 43 min
